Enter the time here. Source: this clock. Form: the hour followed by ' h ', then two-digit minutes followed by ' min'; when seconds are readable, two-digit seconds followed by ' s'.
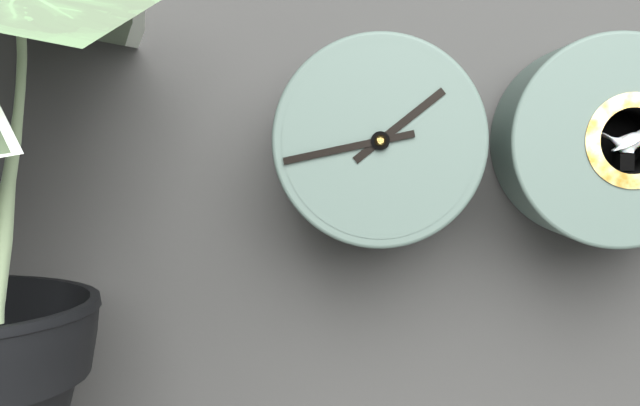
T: 1 h 43 min
